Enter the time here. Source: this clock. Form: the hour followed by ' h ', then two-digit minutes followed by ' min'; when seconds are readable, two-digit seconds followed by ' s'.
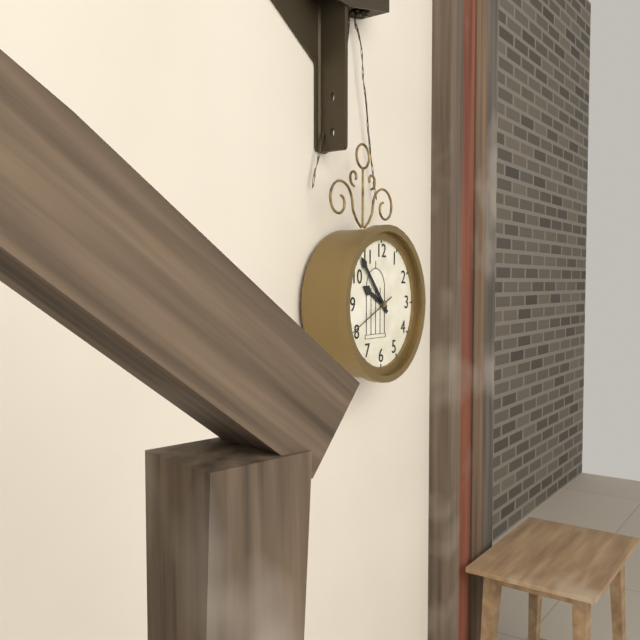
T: 9 h 53 min
